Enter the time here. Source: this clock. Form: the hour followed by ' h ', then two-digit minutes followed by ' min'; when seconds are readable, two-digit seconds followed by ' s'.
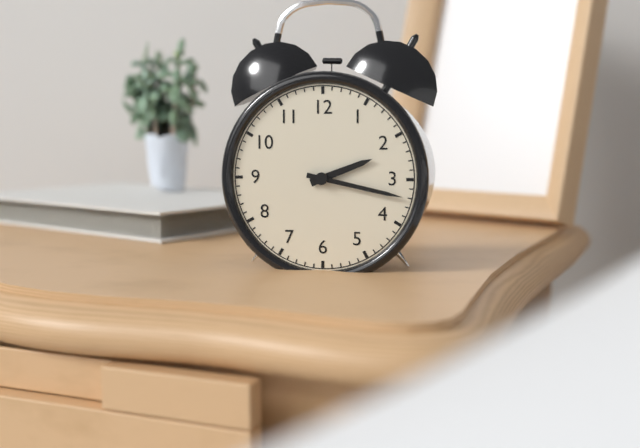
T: 2 h 17 min
